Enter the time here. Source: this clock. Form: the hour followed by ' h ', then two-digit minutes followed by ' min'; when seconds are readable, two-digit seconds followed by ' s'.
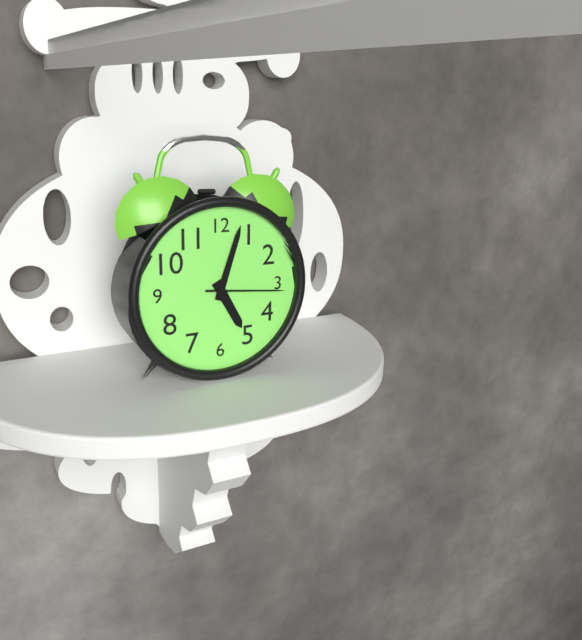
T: 5 h 03 min 16 s
